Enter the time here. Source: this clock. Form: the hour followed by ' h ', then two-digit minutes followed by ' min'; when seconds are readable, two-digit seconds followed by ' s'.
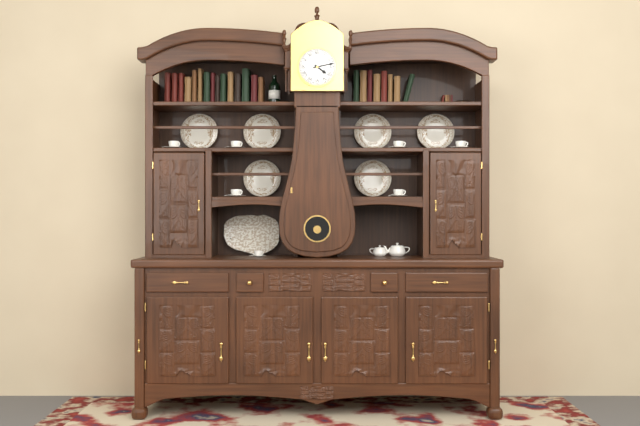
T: 4 h 13 min
